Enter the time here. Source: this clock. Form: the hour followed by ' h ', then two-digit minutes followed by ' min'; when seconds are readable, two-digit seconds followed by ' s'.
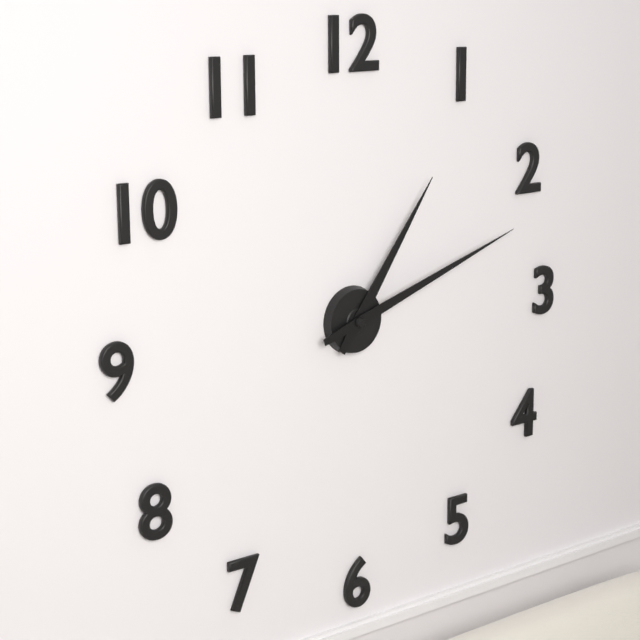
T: 1 h 12 min
